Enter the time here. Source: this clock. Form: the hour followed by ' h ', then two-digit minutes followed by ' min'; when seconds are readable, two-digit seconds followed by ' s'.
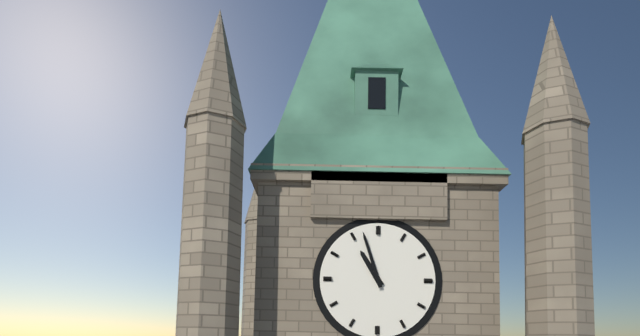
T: 10 h 57 min
